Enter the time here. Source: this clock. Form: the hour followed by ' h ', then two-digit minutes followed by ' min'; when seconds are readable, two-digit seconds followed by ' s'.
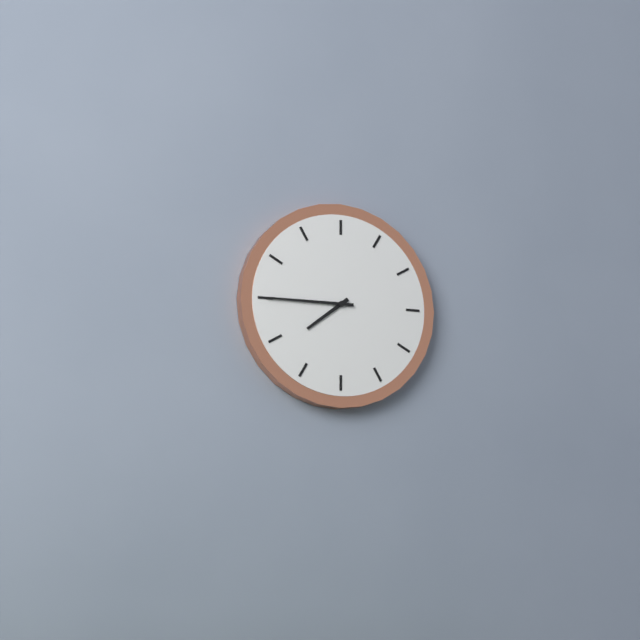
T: 7 h 45 min
